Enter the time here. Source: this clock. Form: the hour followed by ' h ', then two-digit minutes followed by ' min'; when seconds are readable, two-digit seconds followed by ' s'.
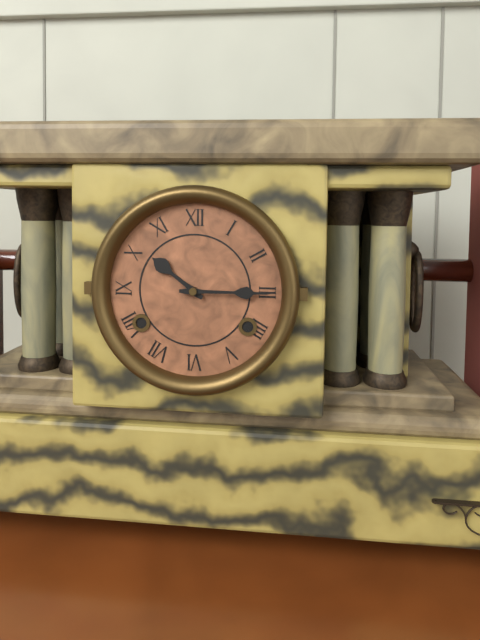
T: 10 h 15 min
